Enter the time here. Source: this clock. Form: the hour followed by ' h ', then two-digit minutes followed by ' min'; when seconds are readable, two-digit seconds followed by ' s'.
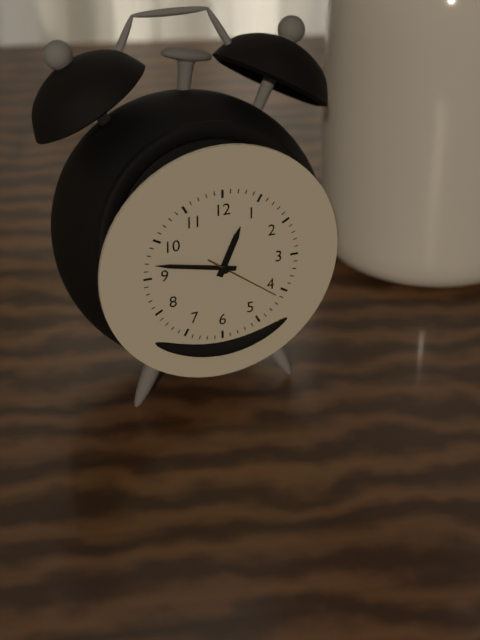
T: 12 h 47 min 21 s
